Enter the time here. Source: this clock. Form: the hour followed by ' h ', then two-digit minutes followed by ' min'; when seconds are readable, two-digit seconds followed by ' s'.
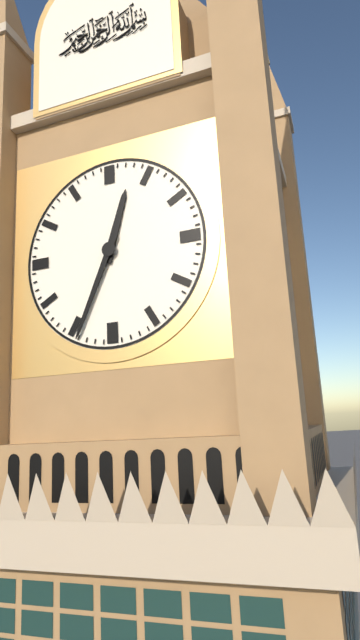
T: 12 h 34 min
